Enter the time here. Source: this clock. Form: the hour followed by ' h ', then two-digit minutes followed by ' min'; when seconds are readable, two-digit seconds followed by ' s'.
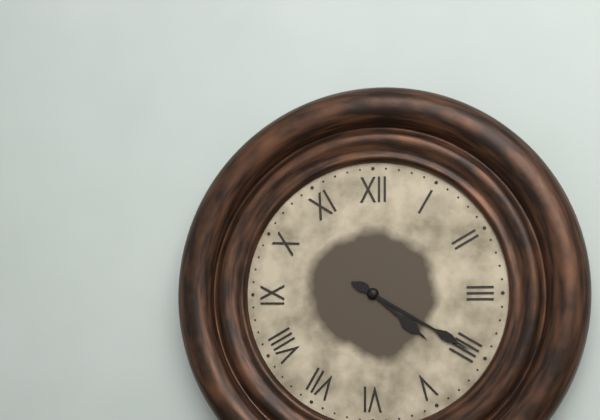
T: 4 h 20 min
